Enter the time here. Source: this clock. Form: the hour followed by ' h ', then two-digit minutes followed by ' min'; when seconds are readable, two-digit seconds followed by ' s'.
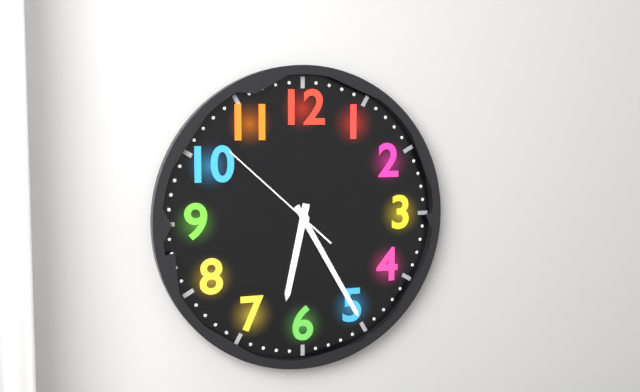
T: 6 h 25 min 52 s
